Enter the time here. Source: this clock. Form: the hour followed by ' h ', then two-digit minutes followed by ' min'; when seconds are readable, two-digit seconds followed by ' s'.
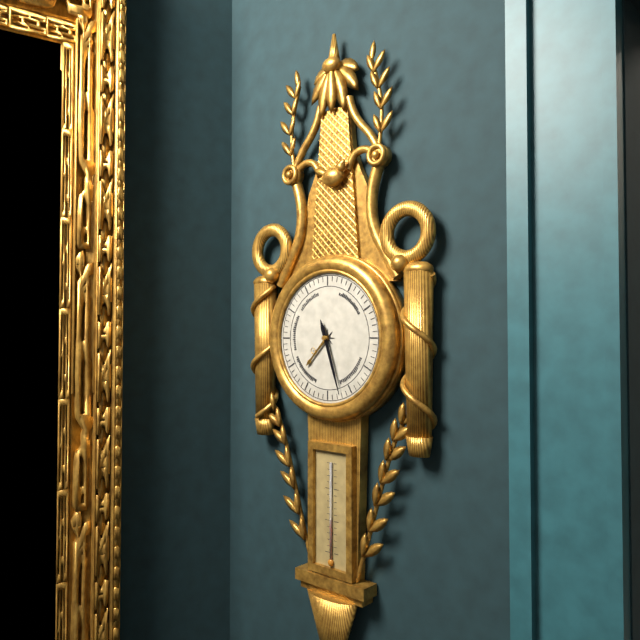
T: 7 h 27 min
